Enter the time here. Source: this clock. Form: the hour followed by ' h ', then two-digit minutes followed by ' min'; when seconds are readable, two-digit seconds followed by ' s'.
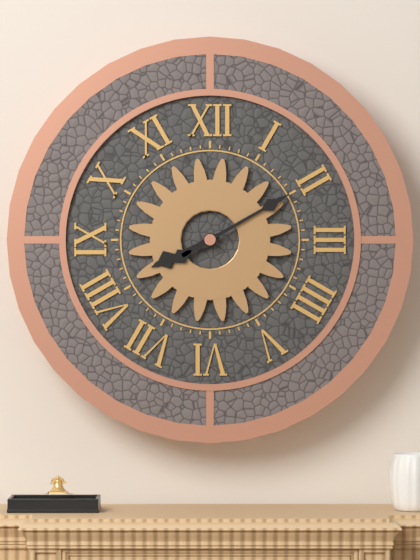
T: 8 h 10 min
